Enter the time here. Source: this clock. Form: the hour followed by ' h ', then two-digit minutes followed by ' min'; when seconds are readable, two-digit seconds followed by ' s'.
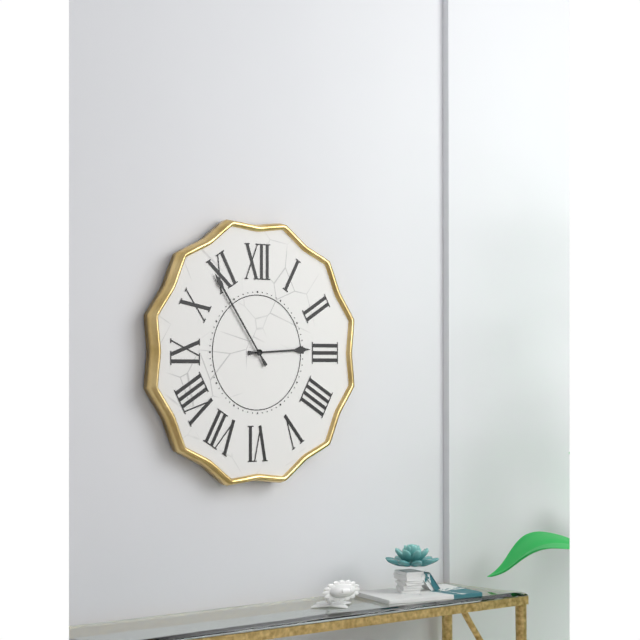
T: 2 h 54 min
